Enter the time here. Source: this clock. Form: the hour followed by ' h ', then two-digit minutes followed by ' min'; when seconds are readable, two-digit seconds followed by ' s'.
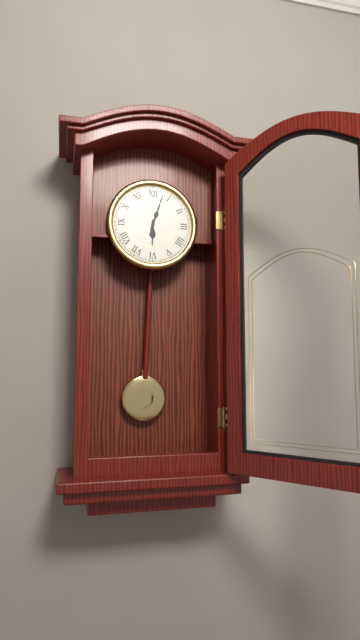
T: 6 h 03 min
